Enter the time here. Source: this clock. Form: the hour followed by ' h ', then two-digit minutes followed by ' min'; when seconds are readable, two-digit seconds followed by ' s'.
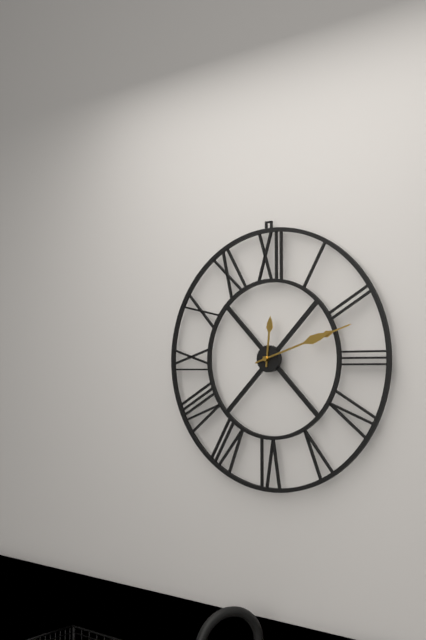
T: 12 h 12 min 12 s
